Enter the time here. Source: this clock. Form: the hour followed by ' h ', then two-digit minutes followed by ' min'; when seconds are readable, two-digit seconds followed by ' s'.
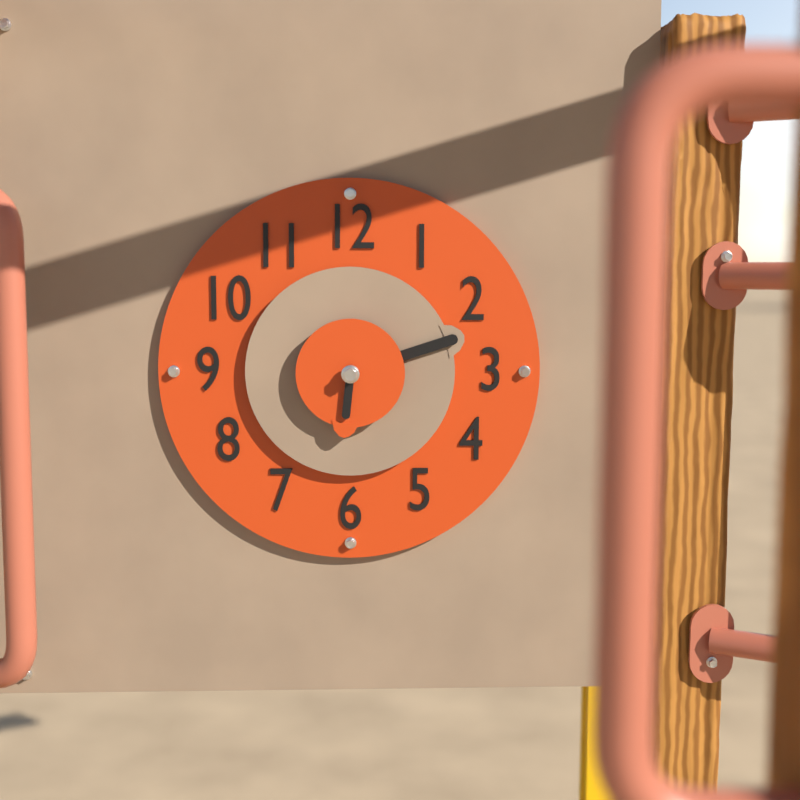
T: 6 h 12 min
